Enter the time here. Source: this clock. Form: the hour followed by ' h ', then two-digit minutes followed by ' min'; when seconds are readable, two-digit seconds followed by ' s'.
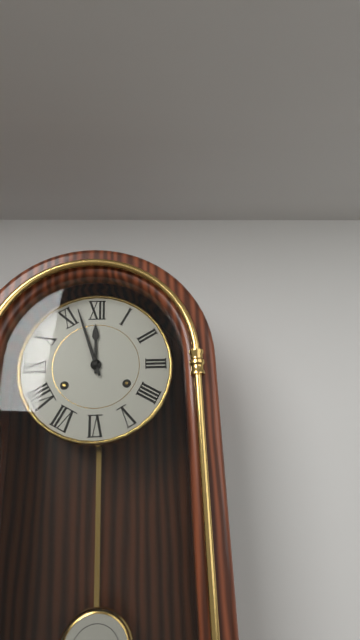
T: 11 h 57 min
